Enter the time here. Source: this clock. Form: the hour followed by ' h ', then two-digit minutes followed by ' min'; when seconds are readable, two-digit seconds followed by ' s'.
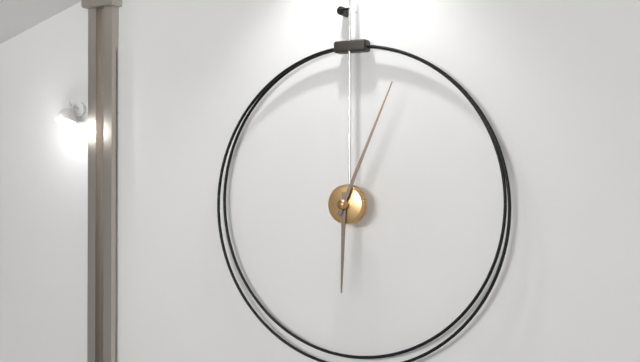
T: 6 h 04 min
